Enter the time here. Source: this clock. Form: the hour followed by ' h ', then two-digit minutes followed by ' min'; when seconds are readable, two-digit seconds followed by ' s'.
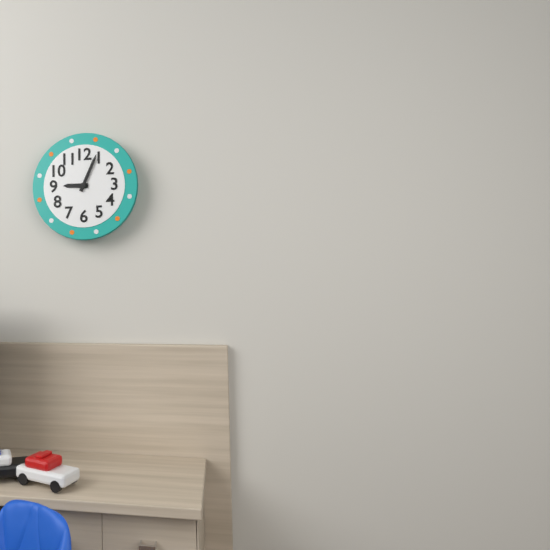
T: 9 h 04 min
